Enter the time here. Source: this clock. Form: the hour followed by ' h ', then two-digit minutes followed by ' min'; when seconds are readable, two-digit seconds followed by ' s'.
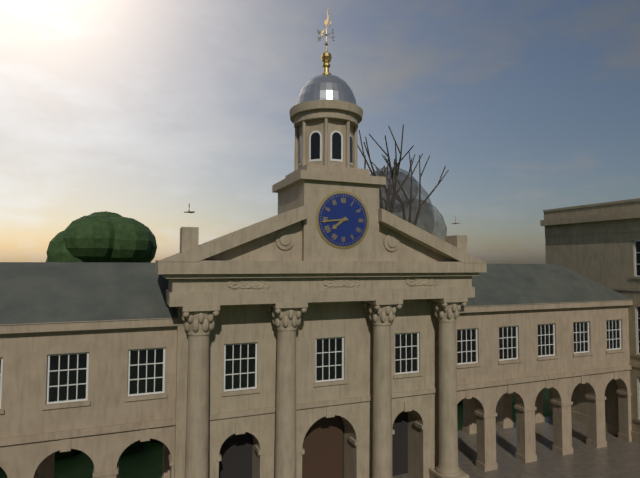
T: 7 h 44 min
